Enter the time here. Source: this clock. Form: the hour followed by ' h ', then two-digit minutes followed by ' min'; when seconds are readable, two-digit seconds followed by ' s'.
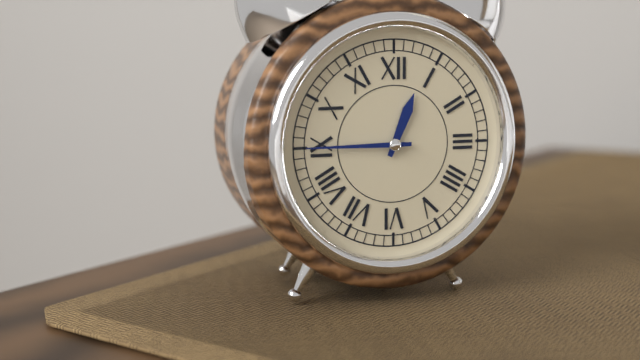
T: 12 h 45 min
